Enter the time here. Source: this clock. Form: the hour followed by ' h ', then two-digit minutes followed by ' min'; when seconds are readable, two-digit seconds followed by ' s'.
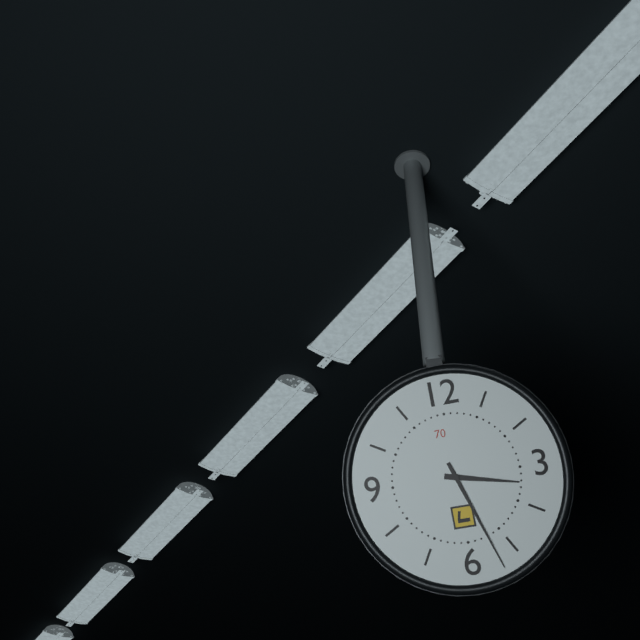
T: 3 h 27 min
